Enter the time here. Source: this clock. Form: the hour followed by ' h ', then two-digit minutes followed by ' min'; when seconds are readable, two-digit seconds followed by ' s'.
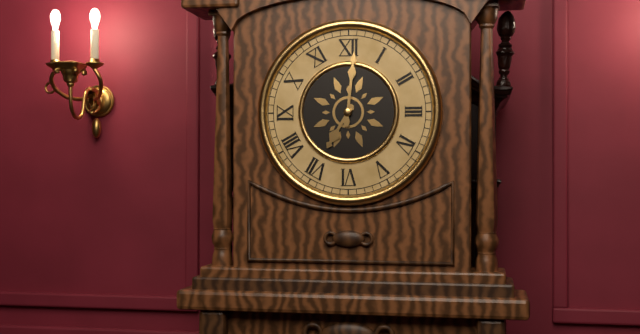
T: 7 h 01 min
